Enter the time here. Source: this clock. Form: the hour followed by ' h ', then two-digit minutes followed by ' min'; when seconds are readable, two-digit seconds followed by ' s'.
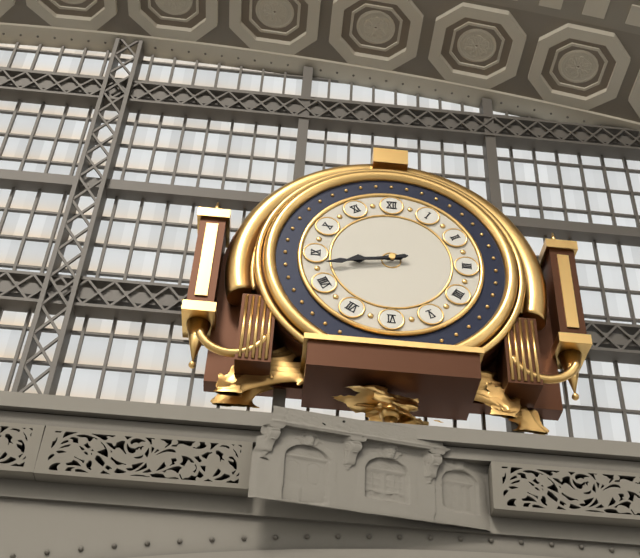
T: 8 h 43 min
